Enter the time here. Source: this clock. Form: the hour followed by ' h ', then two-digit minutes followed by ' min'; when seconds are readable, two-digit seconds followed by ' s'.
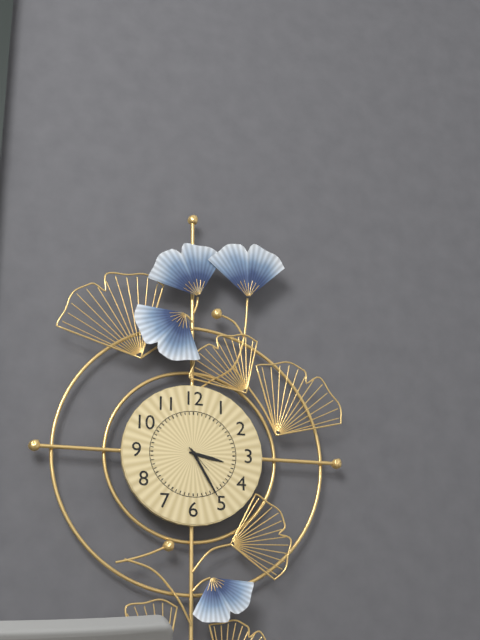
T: 3 h 25 min
